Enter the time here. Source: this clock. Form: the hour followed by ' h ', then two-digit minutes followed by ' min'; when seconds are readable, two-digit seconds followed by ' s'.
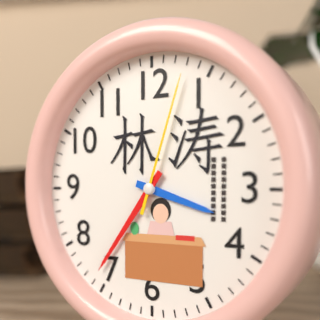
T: 3 h 36 min 03 s
